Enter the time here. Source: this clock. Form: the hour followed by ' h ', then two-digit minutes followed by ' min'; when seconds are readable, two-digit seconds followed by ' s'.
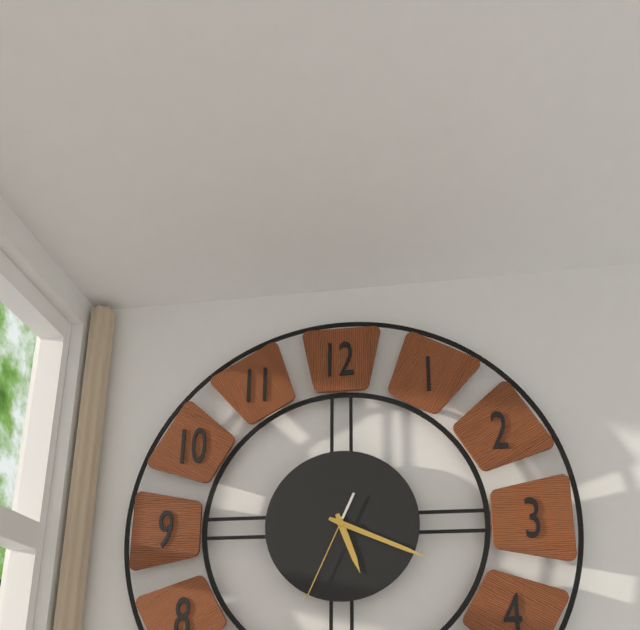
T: 5 h 19 min 34 s
